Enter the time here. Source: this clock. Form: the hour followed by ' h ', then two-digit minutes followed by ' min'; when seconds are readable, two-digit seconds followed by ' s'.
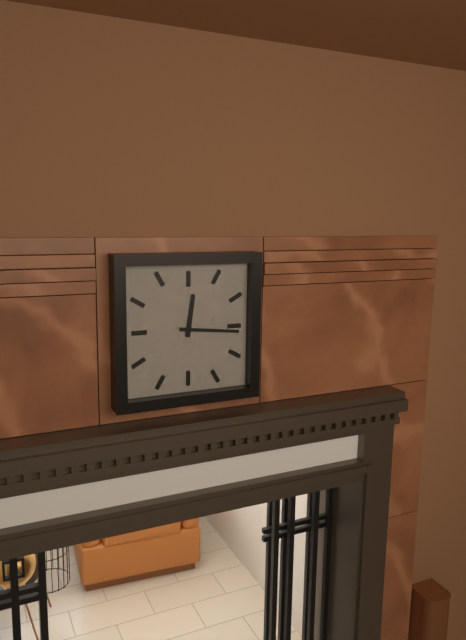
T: 12 h 16 min
